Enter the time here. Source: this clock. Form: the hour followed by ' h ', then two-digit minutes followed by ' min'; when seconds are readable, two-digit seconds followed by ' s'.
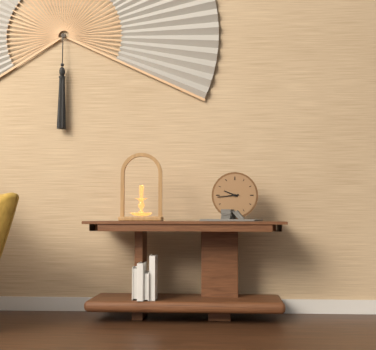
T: 9 h 44 min
